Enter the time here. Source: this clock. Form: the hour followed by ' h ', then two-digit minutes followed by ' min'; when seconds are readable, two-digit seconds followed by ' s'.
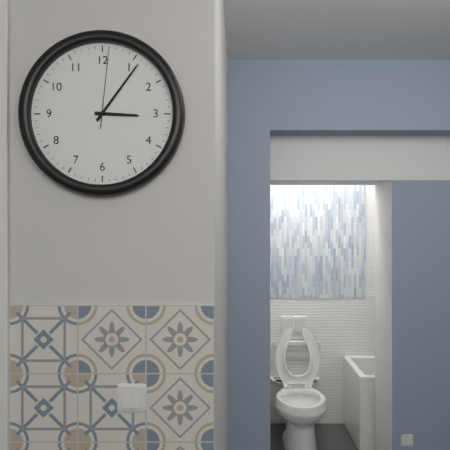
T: 3 h 06 min 01 s
